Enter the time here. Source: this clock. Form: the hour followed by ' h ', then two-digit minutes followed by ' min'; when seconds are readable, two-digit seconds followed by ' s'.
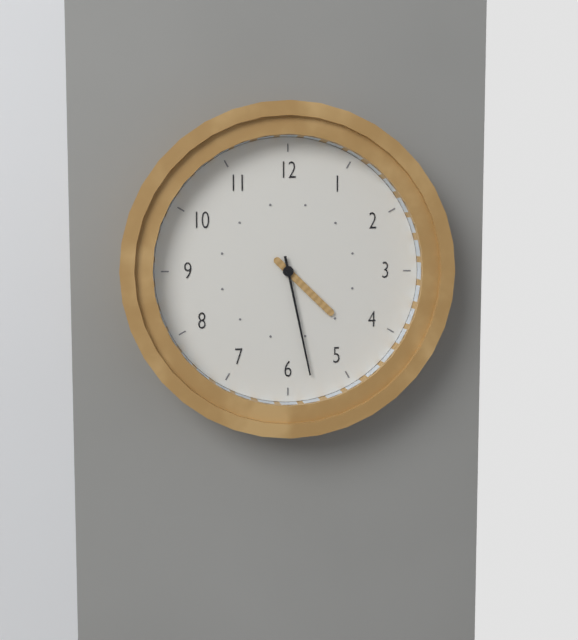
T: 4 h 28 min
